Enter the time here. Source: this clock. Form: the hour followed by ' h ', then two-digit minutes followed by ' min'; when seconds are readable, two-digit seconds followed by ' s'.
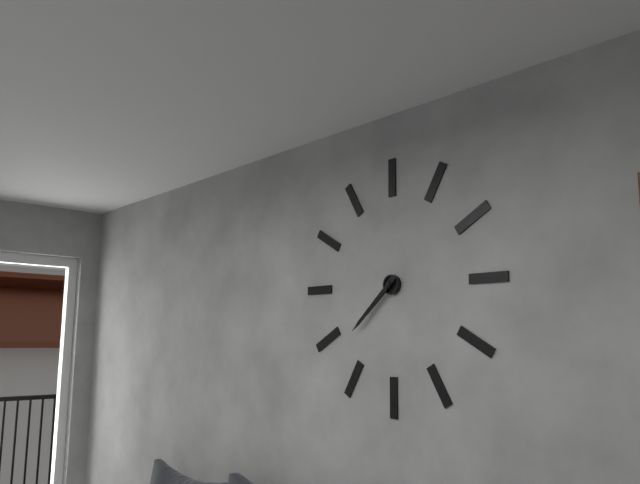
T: 7 h 38 min
